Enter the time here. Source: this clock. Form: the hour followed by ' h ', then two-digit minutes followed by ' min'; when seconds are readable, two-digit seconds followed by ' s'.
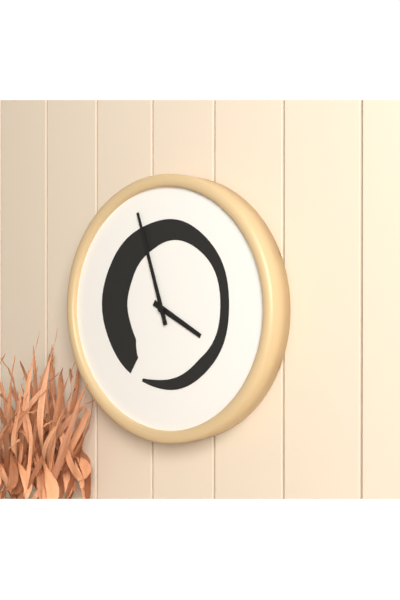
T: 3 h 57 min
